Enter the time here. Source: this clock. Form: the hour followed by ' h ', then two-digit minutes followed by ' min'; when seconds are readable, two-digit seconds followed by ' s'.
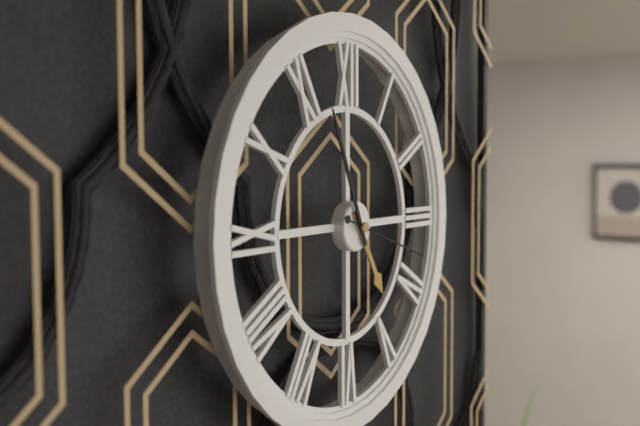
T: 4 h 56 min 18 s
